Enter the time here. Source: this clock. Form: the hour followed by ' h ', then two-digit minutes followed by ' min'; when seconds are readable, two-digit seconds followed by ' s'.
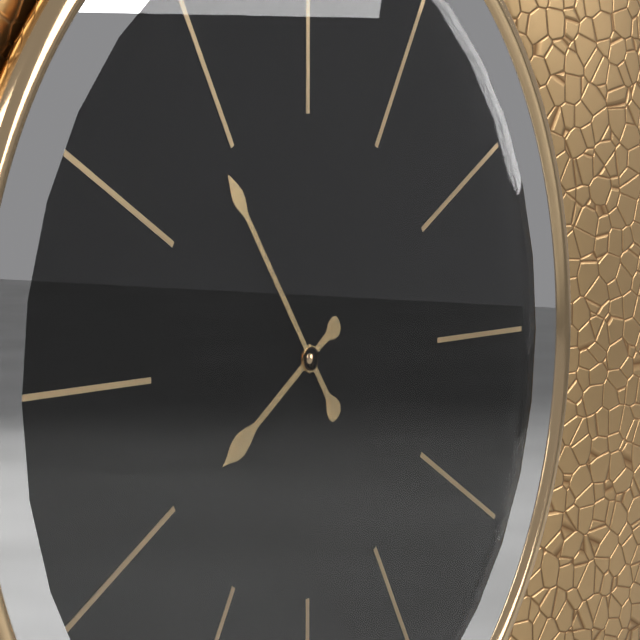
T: 7 h 54 min
